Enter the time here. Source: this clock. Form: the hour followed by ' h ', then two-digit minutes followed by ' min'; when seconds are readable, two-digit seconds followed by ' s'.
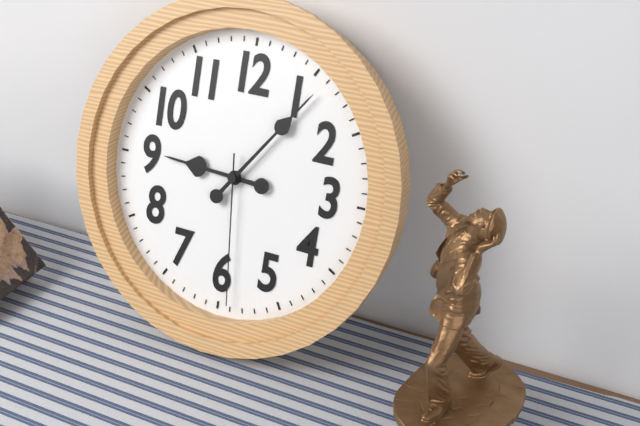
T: 9 h 06 min 29 s
